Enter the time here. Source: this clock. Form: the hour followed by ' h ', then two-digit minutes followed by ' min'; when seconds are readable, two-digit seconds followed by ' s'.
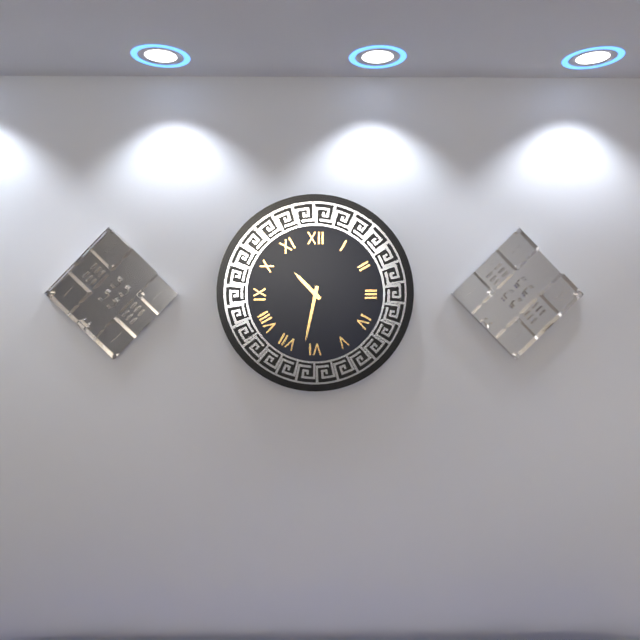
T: 10 h 32 min
